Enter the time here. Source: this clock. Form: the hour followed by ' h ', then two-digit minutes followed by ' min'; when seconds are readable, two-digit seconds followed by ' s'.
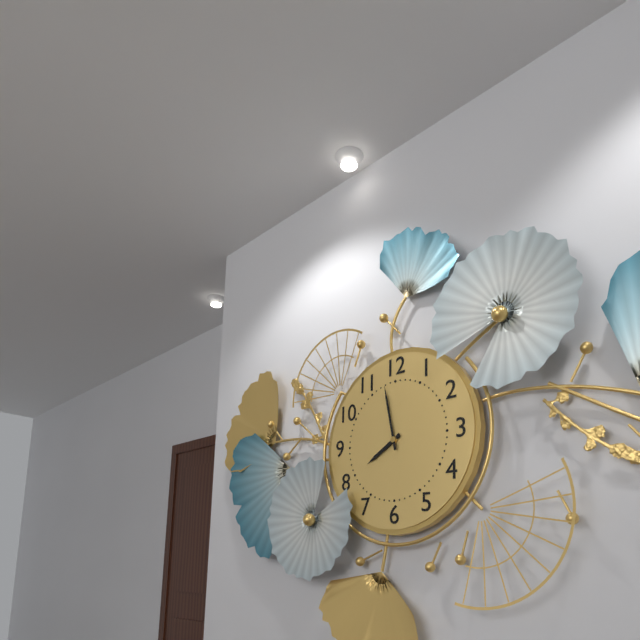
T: 7 h 58 min
